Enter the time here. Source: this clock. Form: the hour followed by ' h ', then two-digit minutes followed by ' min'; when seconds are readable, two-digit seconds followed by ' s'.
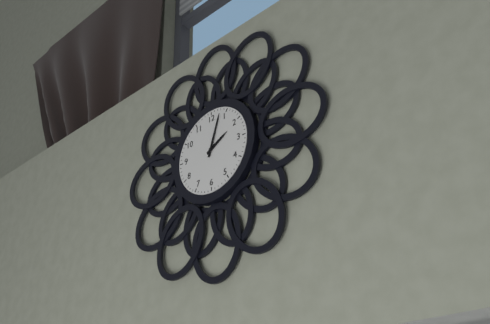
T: 2 h 03 min
